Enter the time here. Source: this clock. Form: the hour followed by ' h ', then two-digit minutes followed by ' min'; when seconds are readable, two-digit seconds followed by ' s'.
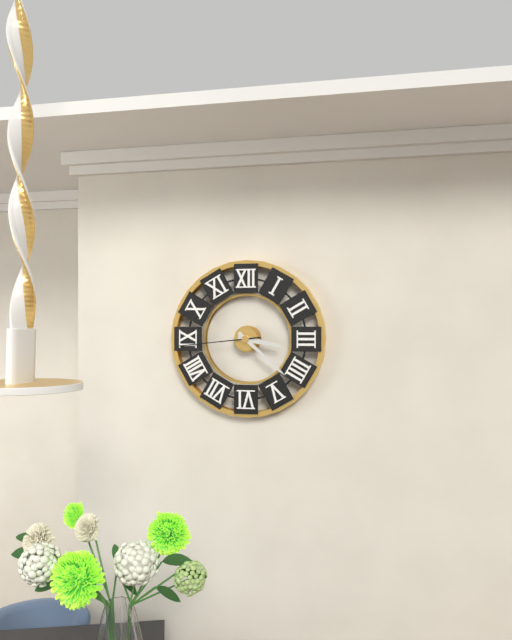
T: 3 h 22 min 44 s
